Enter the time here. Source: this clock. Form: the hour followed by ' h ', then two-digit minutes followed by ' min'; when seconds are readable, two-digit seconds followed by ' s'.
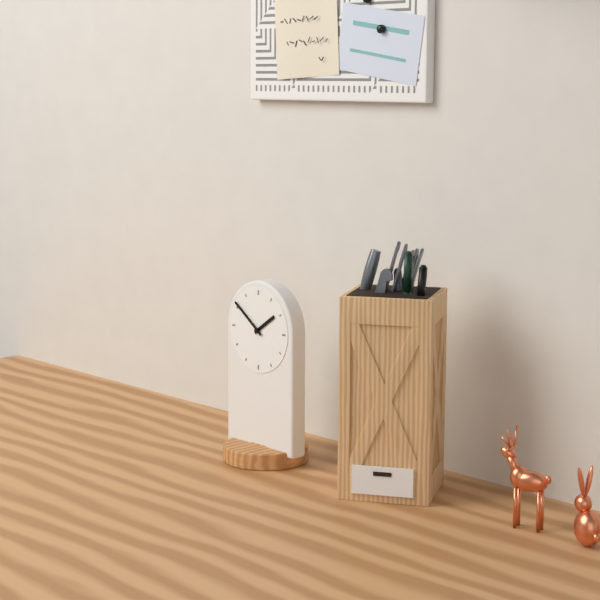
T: 1 h 51 min
